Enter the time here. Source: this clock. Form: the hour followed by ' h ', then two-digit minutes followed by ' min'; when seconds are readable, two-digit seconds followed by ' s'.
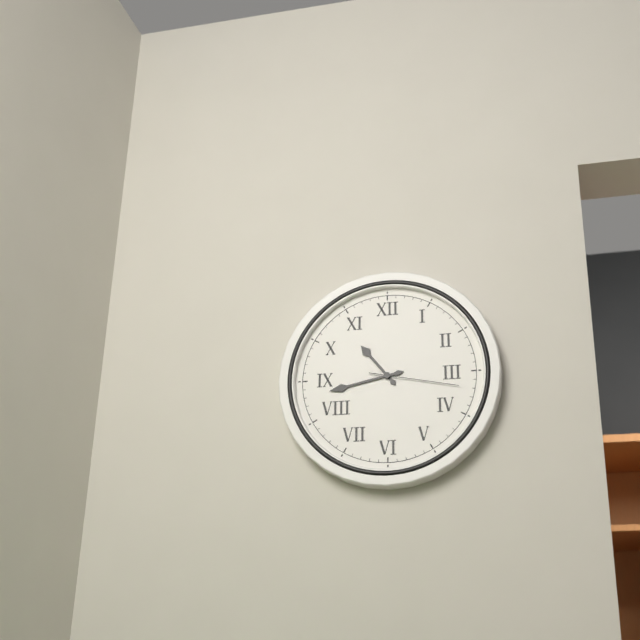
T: 10 h 43 min 17 s
